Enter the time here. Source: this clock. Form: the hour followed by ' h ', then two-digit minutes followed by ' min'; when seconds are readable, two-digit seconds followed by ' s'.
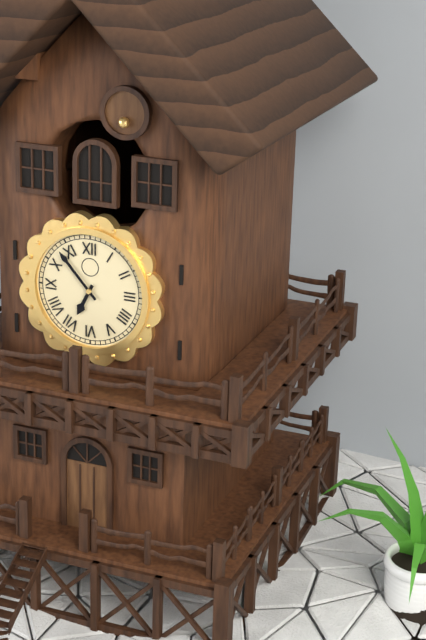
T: 6 h 53 min
